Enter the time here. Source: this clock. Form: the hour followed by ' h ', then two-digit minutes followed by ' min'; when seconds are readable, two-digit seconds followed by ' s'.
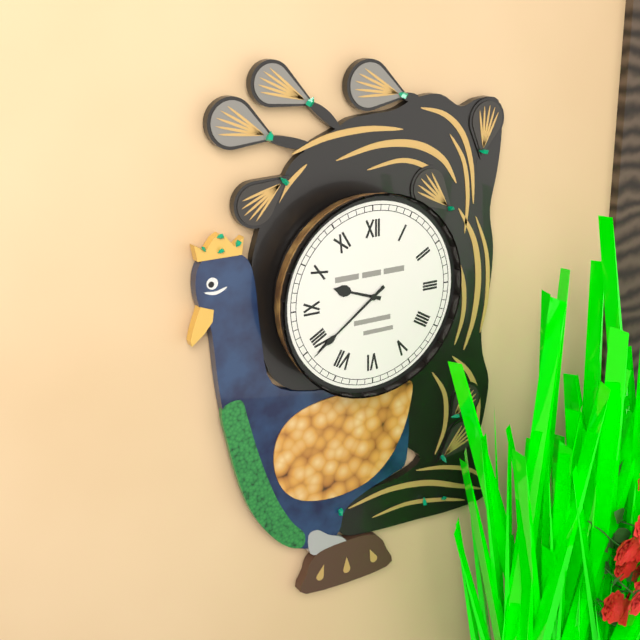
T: 9 h 39 min
